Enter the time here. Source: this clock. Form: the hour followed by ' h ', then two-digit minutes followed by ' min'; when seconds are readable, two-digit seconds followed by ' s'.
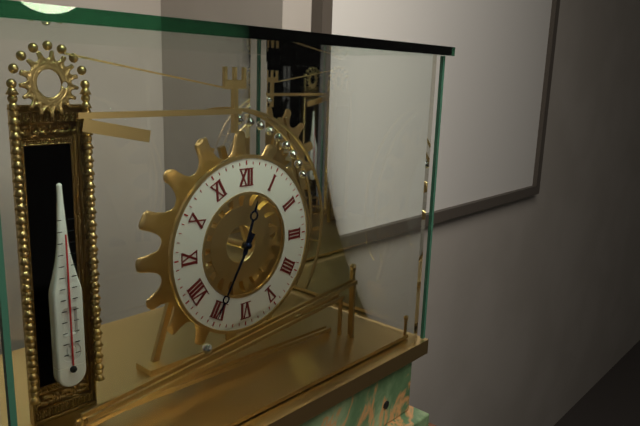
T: 12 h 35 min
